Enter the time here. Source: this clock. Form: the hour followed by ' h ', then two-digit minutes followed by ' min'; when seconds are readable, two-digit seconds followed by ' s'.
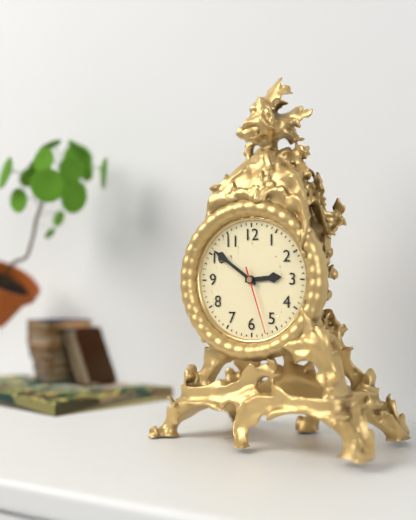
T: 2 h 51 min 27 s
